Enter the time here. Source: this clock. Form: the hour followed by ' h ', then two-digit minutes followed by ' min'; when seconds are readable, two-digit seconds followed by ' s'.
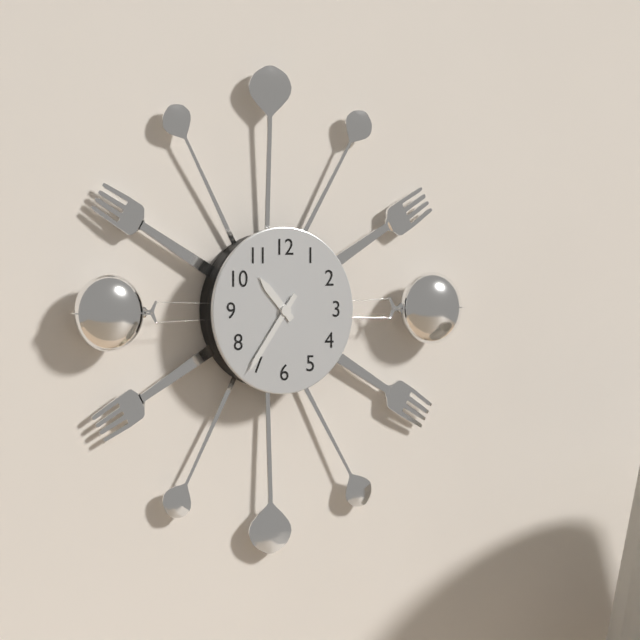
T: 10 h 36 min
